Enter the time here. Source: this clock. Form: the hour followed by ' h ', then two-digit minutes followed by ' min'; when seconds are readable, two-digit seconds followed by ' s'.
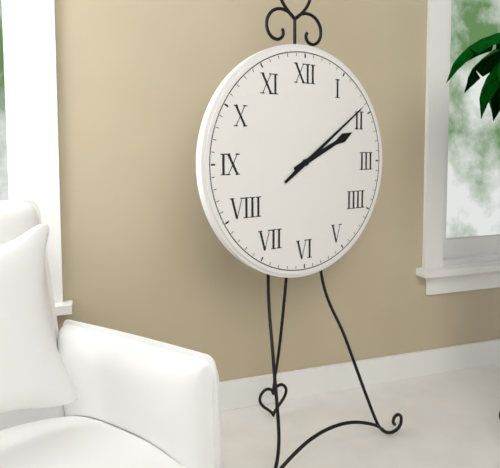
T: 2 h 09 min
